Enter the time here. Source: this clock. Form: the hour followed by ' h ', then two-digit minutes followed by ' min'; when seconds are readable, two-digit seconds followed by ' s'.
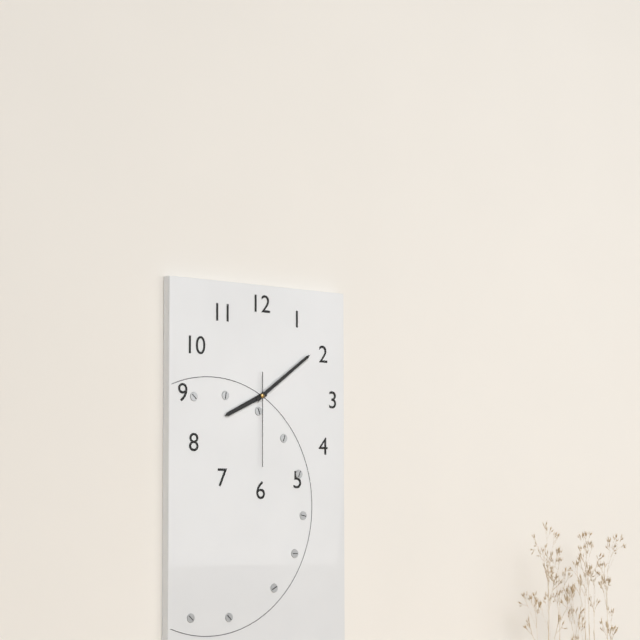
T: 8 h 09 min 30 s
